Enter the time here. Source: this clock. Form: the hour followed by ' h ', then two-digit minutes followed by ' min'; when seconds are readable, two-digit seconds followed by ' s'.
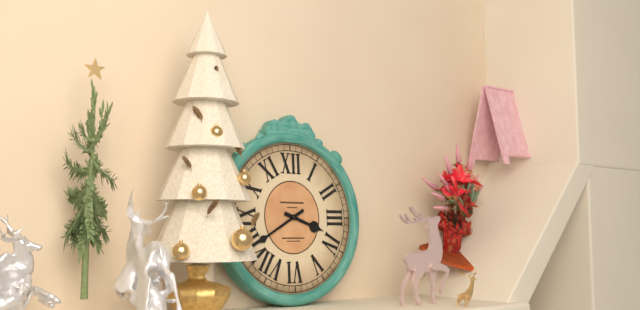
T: 3 h 40 min
